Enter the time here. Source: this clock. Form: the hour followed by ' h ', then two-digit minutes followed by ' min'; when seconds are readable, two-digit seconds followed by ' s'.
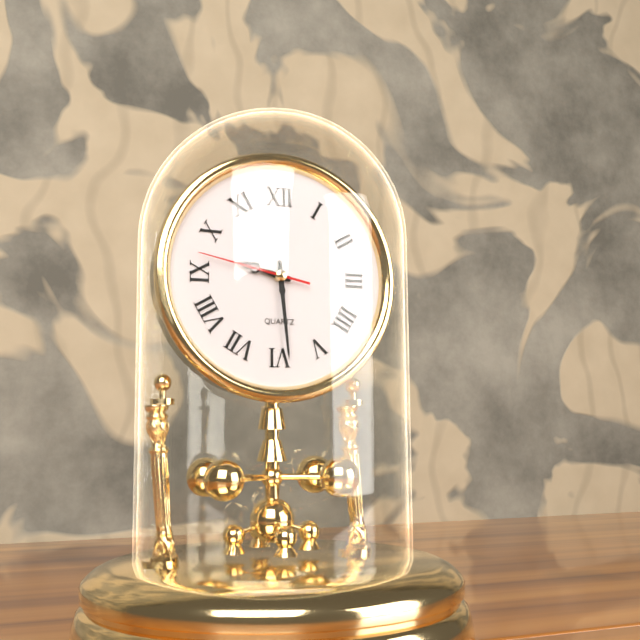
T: 9 h 29 min 47 s
